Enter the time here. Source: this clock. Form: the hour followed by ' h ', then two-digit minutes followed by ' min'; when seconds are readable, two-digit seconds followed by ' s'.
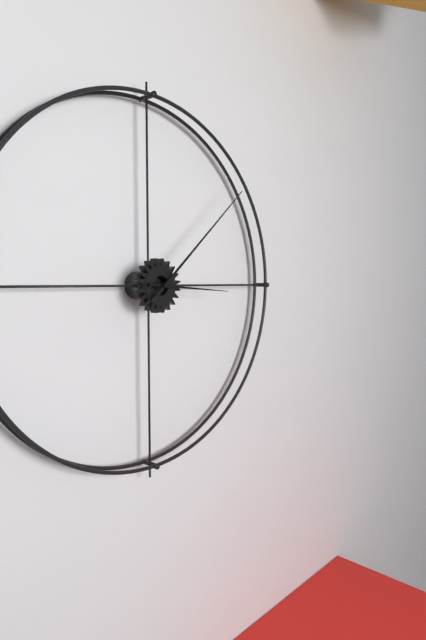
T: 3 h 08 min
